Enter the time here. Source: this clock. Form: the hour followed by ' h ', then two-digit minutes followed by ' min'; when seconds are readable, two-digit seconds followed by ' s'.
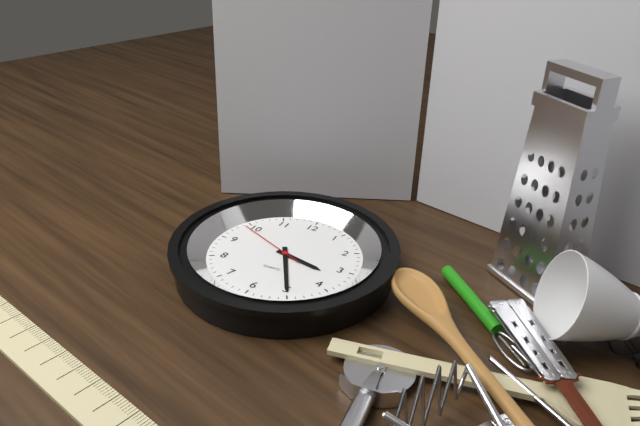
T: 3 h 25 min 49 s
